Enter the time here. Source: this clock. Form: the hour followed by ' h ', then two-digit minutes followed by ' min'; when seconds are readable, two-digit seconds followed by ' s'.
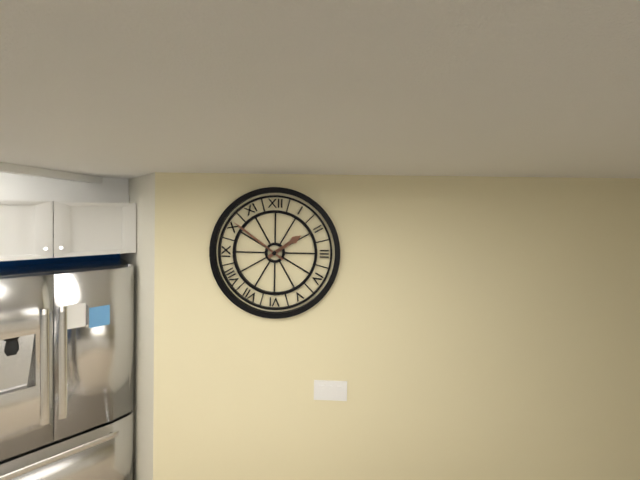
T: 1 h 51 min
